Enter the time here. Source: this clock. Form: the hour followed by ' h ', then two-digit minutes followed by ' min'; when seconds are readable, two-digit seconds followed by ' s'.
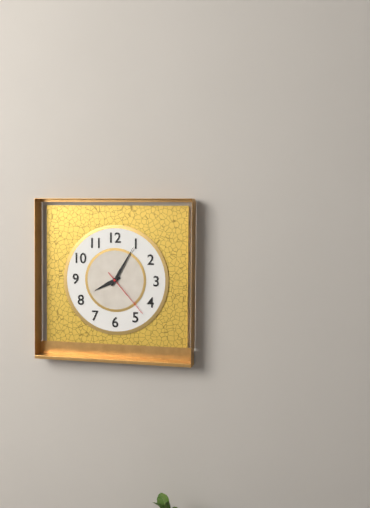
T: 8 h 05 min 23 s
